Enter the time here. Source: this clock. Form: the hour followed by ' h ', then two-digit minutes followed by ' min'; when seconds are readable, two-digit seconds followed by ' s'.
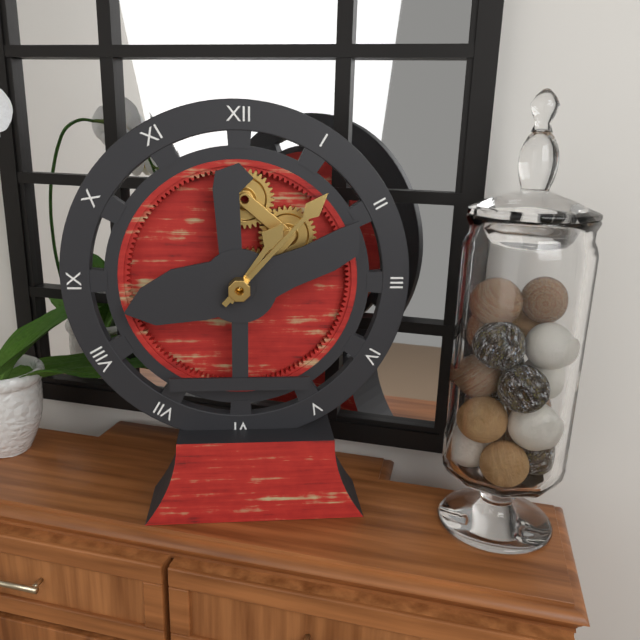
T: 1 h 07 min
